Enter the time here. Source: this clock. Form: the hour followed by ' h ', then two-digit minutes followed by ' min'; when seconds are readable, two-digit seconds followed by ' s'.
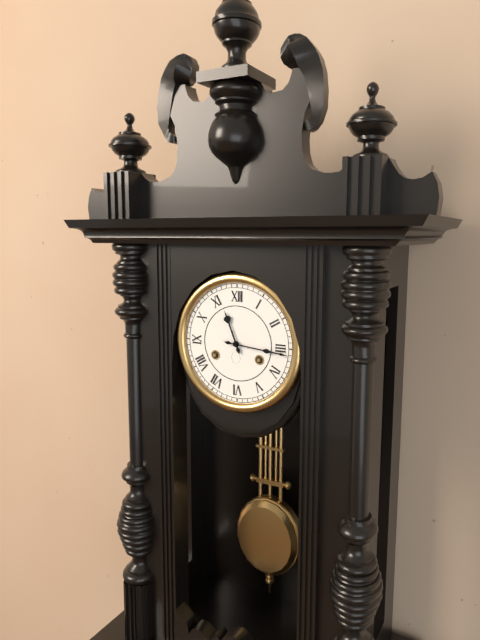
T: 11 h 16 min
